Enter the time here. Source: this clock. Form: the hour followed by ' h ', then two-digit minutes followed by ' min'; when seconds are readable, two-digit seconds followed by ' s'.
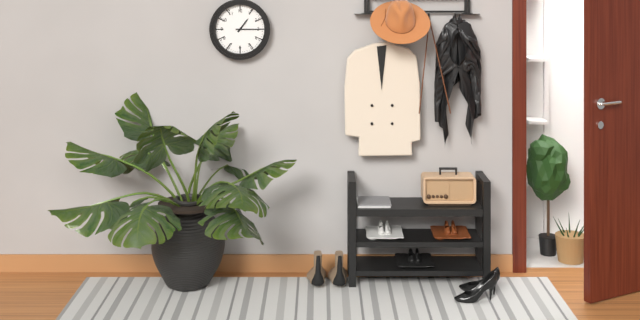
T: 1 h 15 min
